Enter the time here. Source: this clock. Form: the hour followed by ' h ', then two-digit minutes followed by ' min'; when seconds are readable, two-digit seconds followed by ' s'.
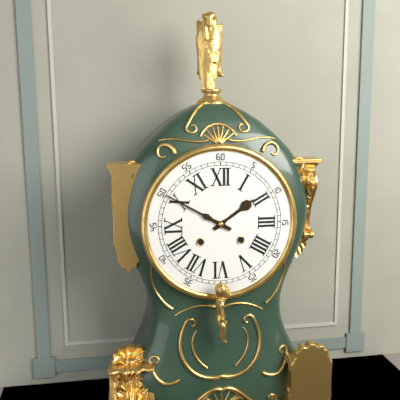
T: 1 h 50 min
